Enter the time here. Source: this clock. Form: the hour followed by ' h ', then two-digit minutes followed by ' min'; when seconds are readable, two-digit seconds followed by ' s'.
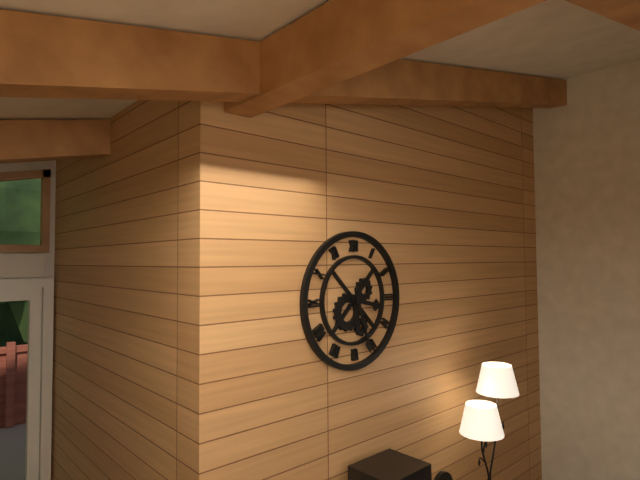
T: 3 h 27 min
